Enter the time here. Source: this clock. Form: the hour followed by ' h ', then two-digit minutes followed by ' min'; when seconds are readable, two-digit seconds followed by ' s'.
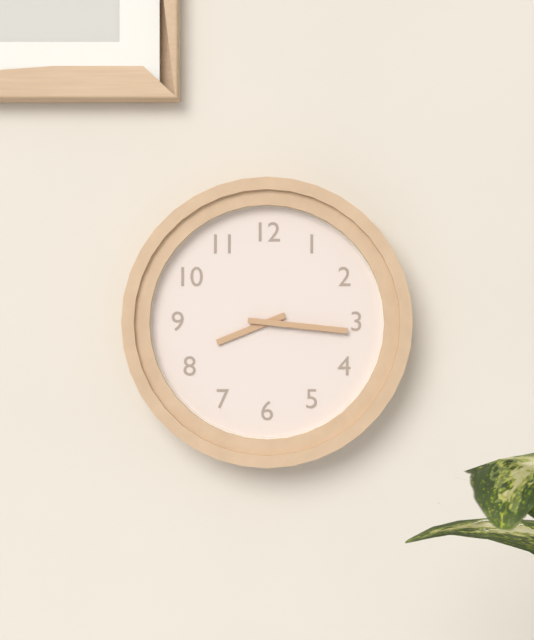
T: 8 h 16 min
